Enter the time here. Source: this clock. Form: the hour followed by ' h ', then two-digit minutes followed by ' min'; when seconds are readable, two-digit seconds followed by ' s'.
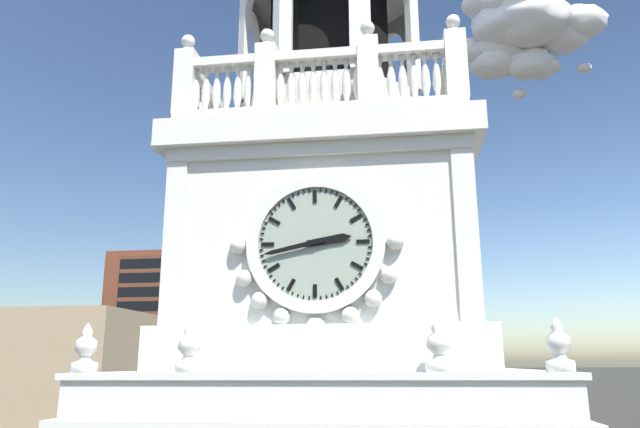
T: 2 h 43 min
